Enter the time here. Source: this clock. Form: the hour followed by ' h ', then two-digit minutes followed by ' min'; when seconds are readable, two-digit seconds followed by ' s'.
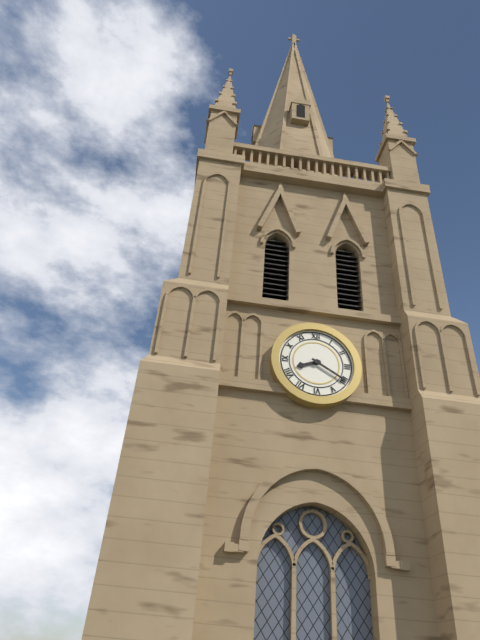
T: 8 h 20 min
